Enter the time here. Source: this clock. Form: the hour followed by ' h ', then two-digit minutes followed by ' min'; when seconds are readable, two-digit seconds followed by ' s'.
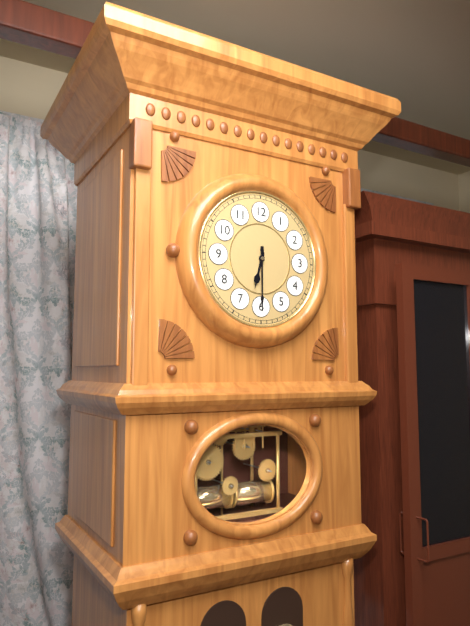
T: 6 h 30 min
